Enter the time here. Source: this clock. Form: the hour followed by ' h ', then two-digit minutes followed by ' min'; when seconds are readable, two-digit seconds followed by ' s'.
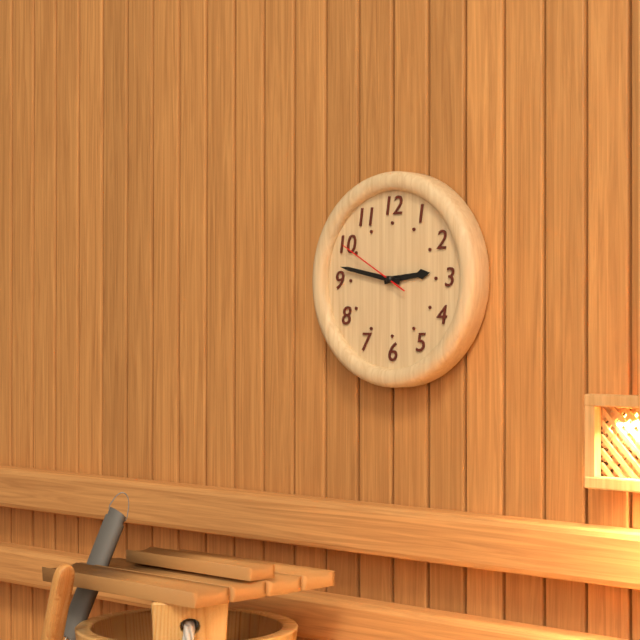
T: 2 h 47 min 50 s
